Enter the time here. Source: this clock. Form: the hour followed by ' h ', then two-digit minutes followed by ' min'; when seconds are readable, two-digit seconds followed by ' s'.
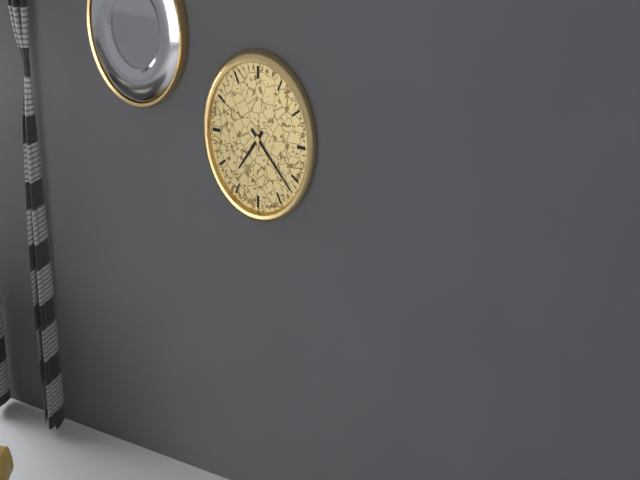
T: 7 h 22 min
